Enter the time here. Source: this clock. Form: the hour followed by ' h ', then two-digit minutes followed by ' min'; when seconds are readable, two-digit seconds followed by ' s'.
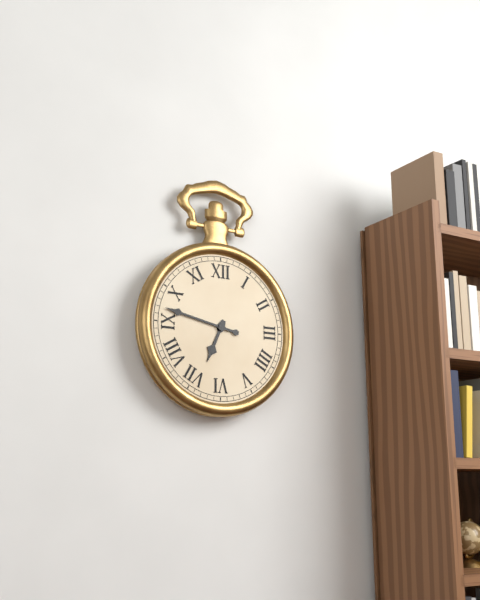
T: 6 h 47 min
